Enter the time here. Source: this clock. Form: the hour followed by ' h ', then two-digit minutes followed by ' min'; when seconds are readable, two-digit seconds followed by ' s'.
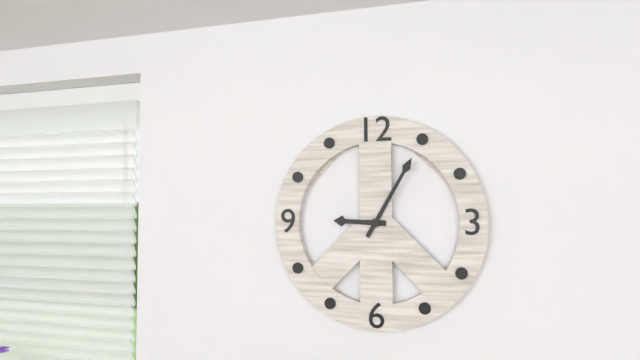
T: 9 h 05 min
